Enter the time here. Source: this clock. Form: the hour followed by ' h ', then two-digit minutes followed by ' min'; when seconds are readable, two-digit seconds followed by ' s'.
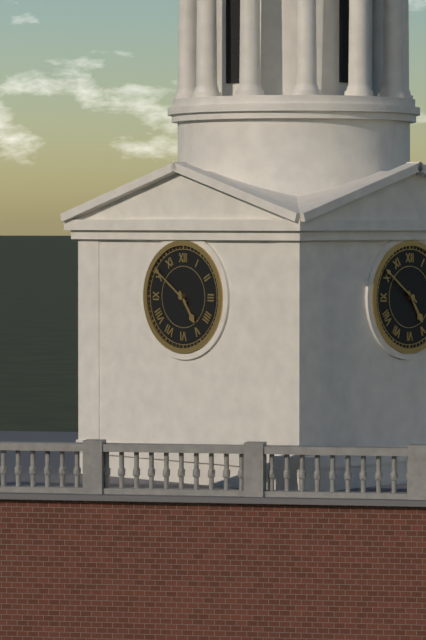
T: 4 h 51 min
